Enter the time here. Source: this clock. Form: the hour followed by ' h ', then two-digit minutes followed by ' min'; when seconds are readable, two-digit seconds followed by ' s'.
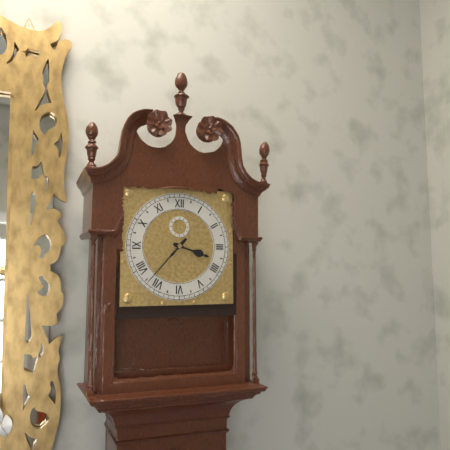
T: 3 h 37 min
